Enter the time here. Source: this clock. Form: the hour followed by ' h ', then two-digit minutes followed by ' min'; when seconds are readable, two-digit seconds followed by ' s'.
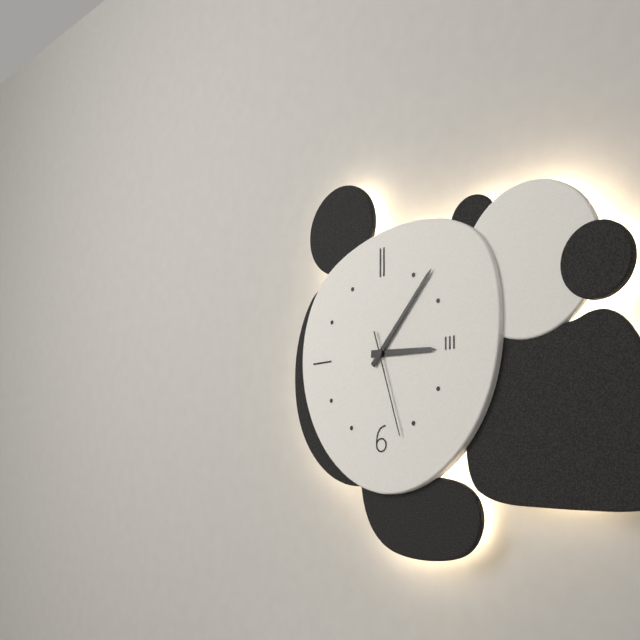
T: 3 h 07 min 27 s
